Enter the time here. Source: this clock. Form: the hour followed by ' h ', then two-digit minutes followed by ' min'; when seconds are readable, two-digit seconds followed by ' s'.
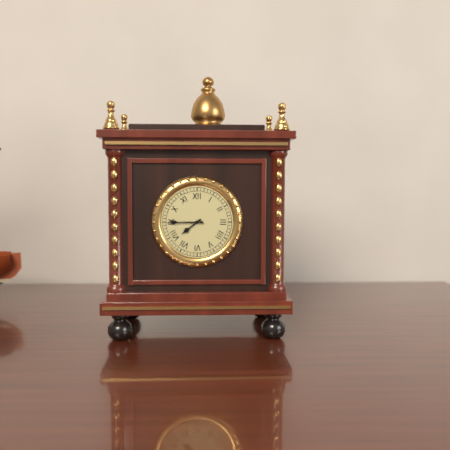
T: 7 h 45 min
